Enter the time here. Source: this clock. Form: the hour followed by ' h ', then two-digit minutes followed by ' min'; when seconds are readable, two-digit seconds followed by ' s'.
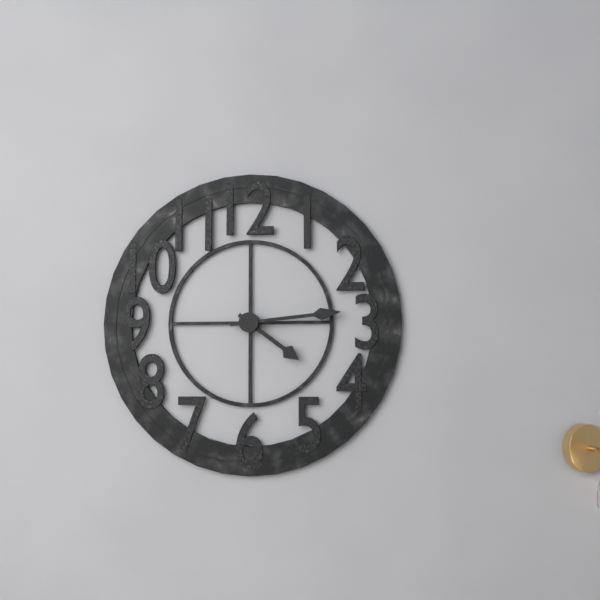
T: 4 h 14 min
